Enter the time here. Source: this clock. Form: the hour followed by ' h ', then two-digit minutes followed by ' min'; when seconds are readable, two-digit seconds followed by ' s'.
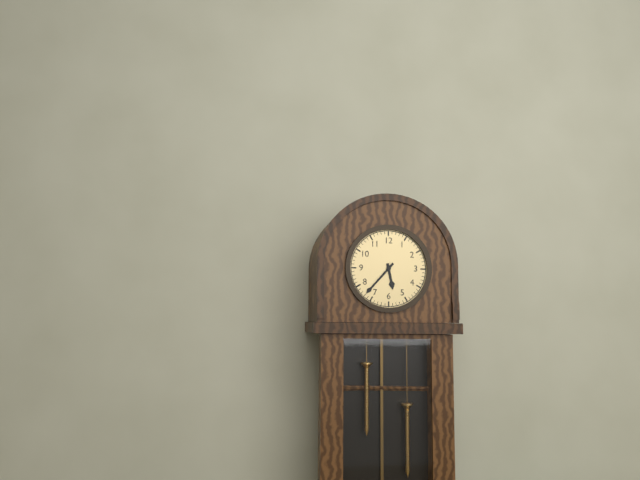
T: 5 h 37 min
